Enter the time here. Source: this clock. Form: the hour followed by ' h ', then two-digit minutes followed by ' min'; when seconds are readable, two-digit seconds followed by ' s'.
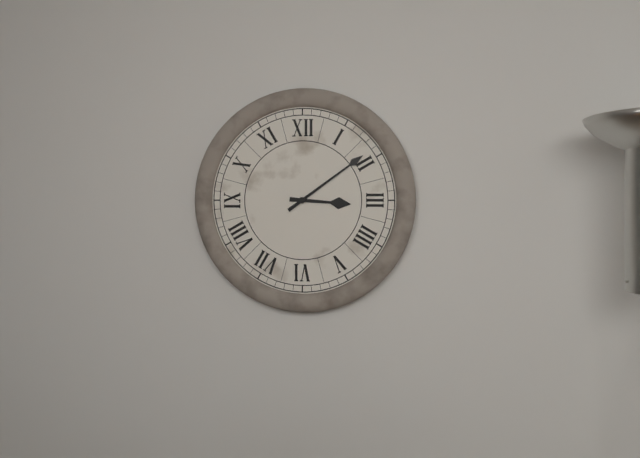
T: 3 h 09 min
